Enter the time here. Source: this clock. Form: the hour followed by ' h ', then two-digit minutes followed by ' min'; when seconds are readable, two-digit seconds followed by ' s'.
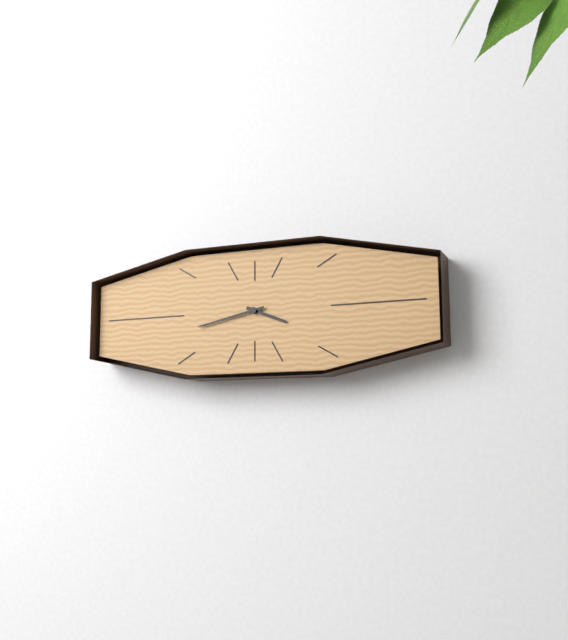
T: 3 h 43 min
